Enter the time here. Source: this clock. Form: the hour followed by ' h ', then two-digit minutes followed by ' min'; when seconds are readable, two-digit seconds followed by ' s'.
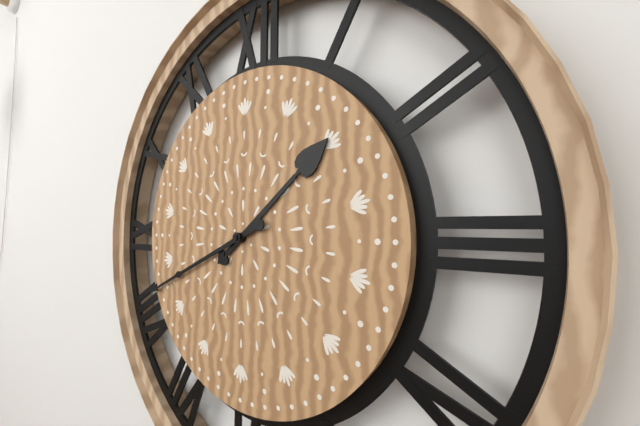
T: 1 h 41 min
